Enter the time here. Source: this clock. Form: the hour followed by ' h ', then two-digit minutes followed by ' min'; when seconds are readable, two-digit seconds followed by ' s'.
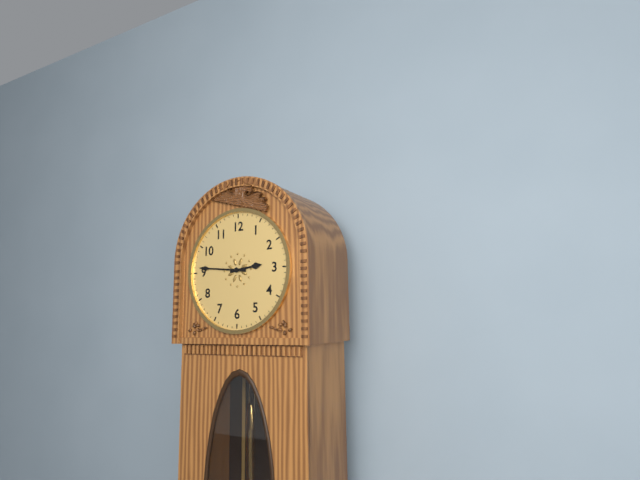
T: 2 h 46 min
